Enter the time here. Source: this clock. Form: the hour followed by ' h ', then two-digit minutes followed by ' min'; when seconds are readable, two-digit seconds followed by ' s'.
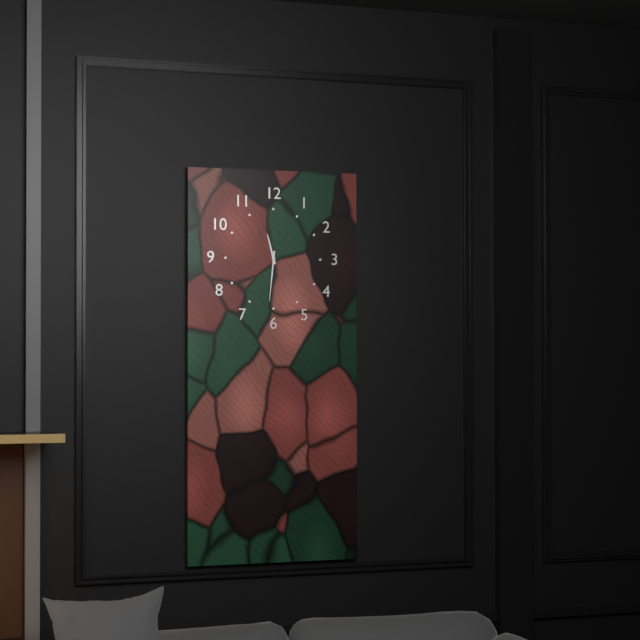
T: 11 h 31 min
